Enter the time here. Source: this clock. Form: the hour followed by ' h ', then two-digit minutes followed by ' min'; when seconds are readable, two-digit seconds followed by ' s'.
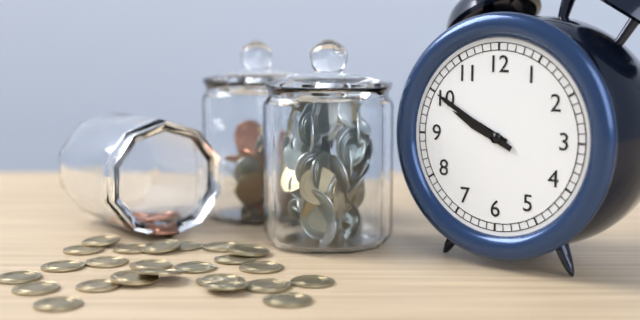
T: 9 h 50 min
